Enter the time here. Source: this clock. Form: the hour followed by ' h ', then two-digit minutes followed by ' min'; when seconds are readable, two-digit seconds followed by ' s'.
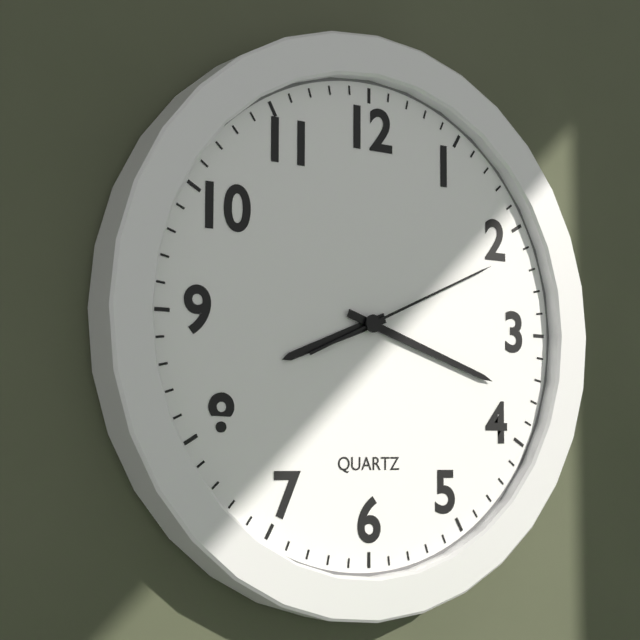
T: 8 h 18 min 11 s
